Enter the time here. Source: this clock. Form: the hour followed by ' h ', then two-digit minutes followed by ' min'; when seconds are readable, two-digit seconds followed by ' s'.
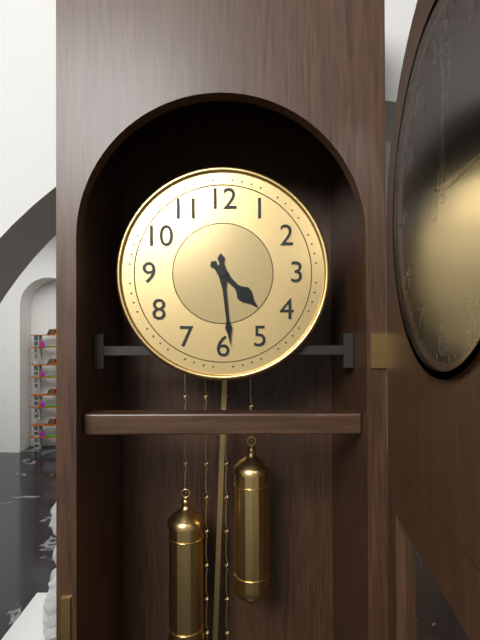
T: 4 h 29 min
